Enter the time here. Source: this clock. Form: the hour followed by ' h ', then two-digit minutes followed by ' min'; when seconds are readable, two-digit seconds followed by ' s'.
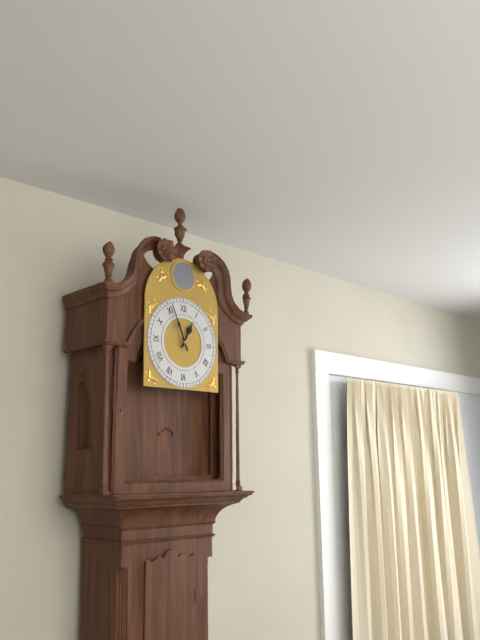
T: 12 h 56 min
